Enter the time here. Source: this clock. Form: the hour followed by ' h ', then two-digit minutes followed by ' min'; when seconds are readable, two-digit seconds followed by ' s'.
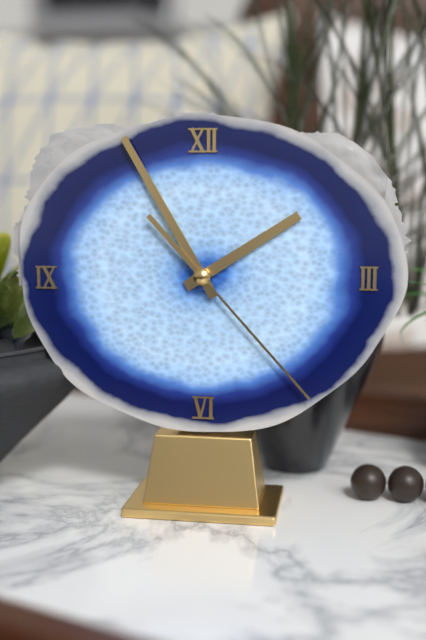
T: 1 h 55 min 23 s
